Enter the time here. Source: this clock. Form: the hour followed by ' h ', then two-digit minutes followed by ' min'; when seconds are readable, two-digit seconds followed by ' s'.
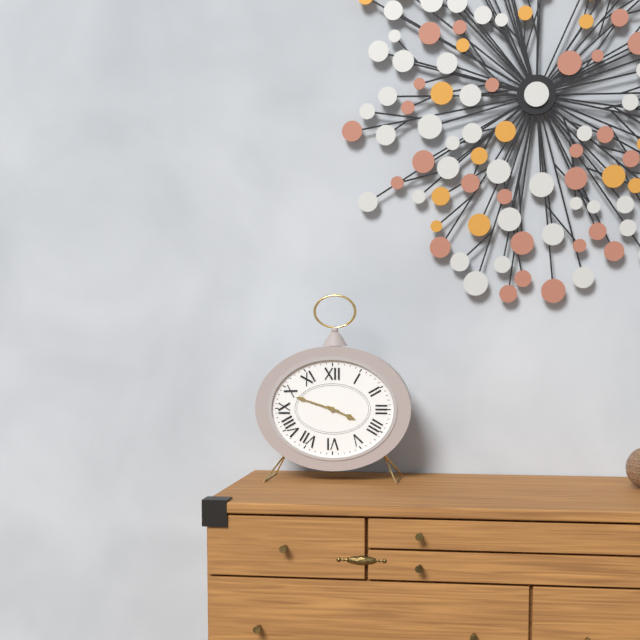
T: 3 h 48 min
